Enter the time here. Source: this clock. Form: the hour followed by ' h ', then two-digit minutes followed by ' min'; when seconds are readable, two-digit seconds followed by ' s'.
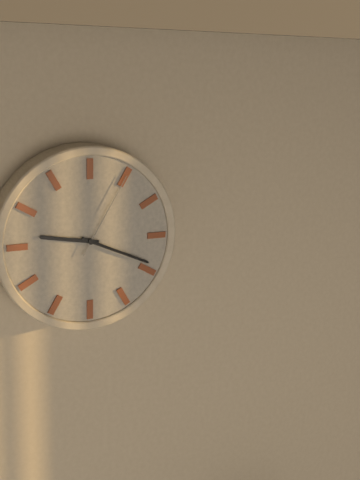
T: 9 h 19 min 05 s
